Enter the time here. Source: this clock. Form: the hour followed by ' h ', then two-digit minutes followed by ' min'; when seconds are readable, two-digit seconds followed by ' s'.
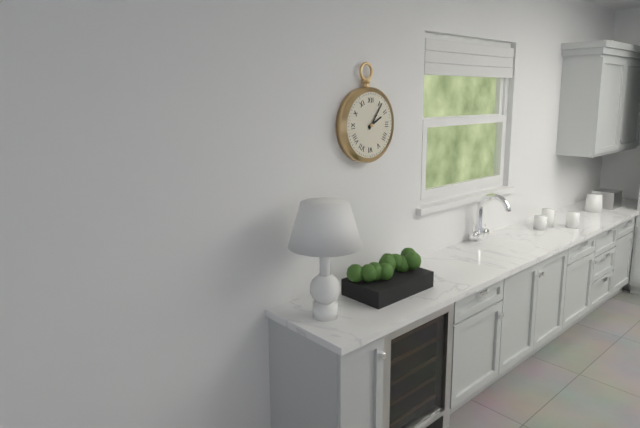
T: 2 h 06 min
